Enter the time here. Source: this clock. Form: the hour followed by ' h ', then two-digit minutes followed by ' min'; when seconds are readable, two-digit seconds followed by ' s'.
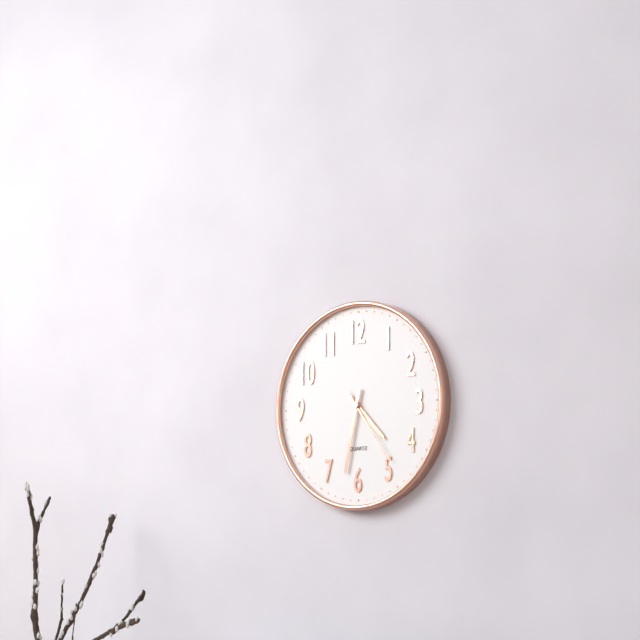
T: 4 h 32 min 24 s
